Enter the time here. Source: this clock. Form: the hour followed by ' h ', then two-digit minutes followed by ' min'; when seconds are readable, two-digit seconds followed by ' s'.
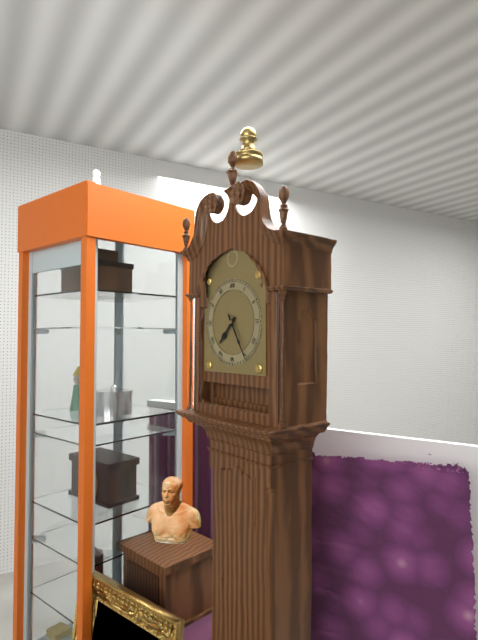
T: 7 h 25 min
